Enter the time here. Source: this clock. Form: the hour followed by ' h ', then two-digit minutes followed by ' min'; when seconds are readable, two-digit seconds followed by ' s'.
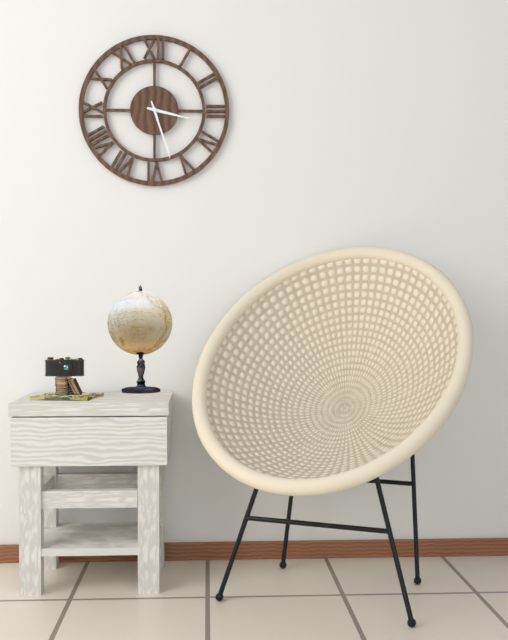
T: 3 h 27 min
